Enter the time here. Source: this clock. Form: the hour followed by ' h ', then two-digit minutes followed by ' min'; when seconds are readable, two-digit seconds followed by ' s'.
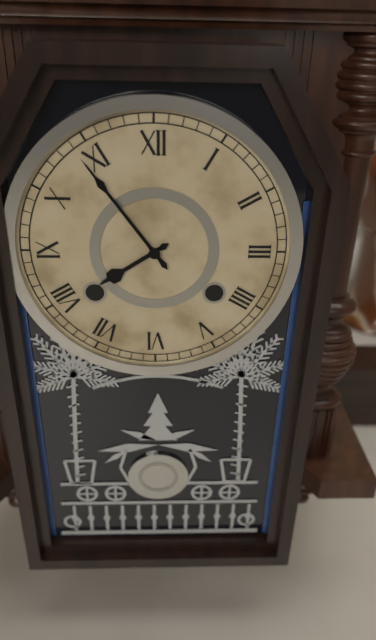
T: 7 h 54 min
